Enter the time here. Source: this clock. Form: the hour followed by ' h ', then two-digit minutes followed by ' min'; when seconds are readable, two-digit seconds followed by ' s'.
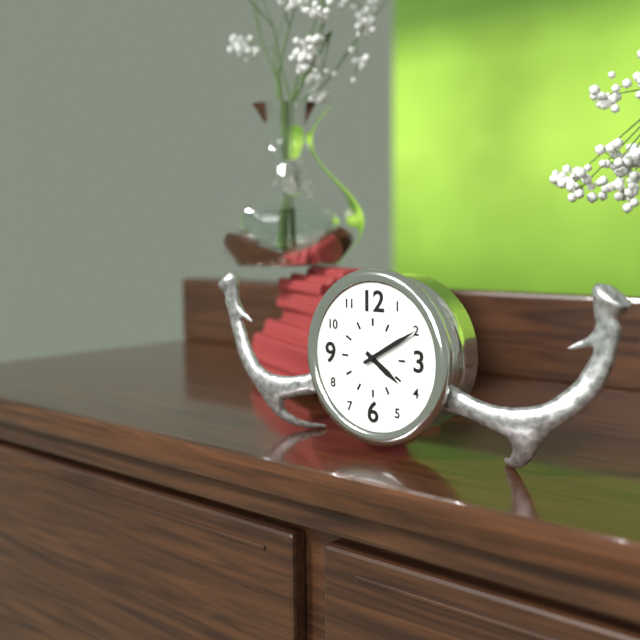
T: 4 h 10 min
